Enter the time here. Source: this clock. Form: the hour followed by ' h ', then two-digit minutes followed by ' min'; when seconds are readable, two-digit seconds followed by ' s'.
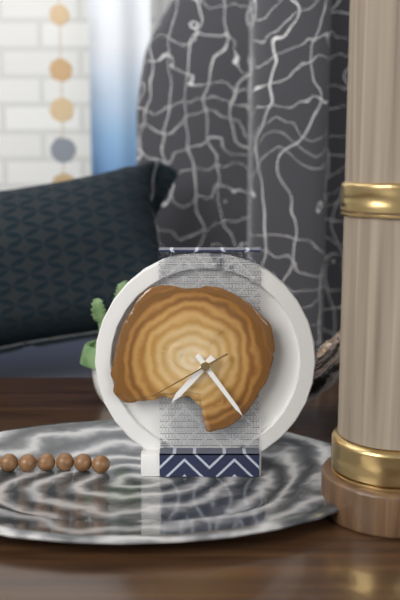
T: 7 h 24 min 40 s
